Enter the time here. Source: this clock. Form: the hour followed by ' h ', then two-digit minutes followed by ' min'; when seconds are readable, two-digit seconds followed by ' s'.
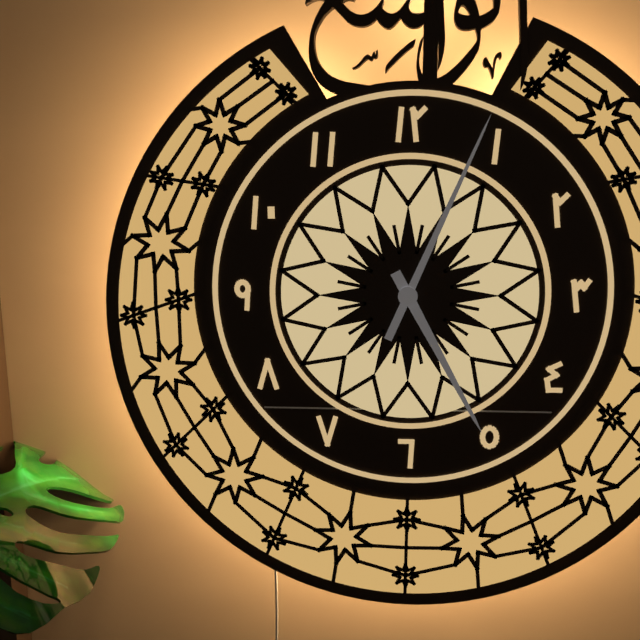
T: 5 h 04 min
